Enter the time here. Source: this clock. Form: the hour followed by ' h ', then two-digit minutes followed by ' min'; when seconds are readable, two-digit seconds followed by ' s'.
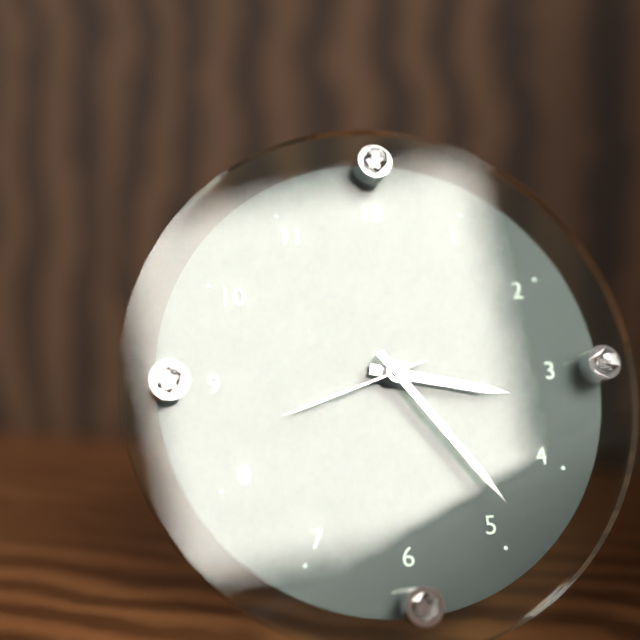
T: 3 h 24 min 42 s
